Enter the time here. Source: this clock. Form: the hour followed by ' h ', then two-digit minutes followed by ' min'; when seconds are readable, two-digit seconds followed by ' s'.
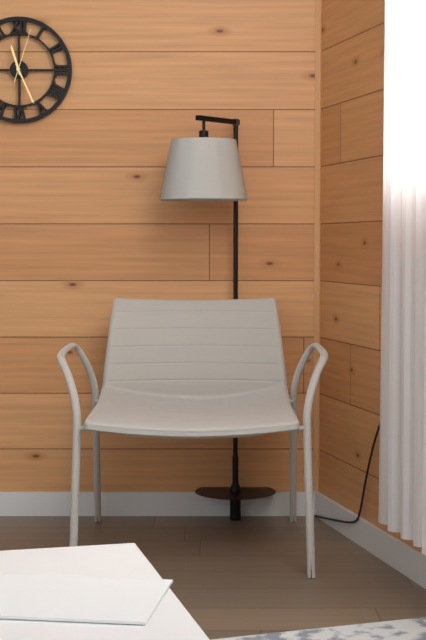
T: 11 h 26 min 03 s
